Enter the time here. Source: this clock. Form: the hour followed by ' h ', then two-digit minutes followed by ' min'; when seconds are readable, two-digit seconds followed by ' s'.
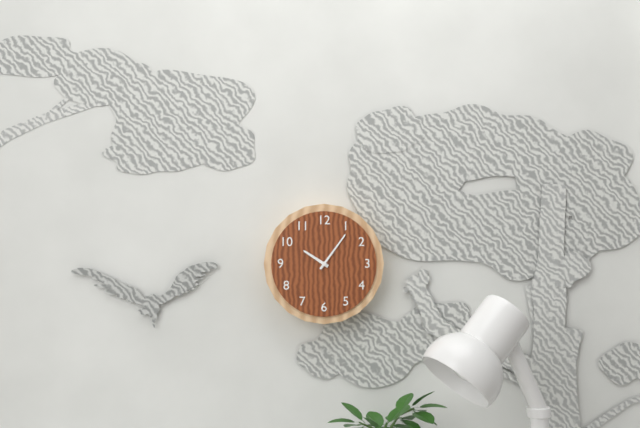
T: 10 h 06 min
